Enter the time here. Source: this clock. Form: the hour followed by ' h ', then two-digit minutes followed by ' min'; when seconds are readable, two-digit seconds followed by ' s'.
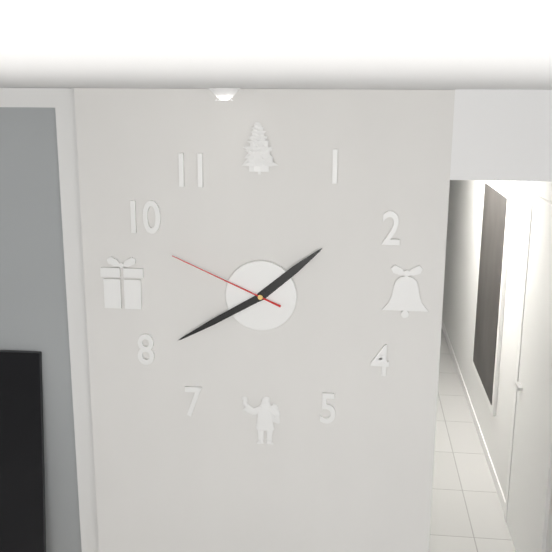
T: 1 h 40 min 49 s
